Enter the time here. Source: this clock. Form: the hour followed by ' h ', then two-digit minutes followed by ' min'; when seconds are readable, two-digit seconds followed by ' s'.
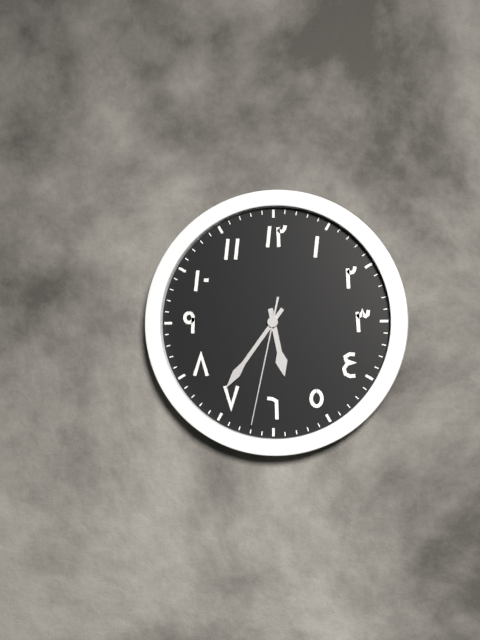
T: 5 h 36 min 32 s
